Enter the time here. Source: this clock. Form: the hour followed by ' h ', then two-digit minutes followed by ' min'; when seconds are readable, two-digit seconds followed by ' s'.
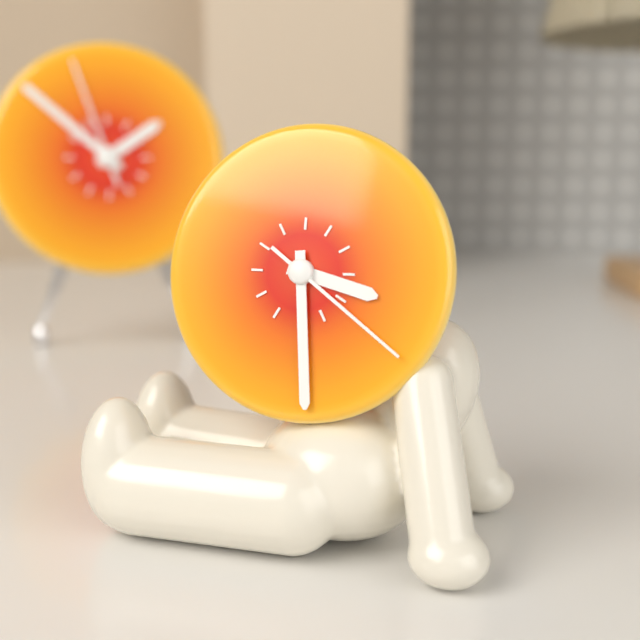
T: 3 h 29 min 21 s
